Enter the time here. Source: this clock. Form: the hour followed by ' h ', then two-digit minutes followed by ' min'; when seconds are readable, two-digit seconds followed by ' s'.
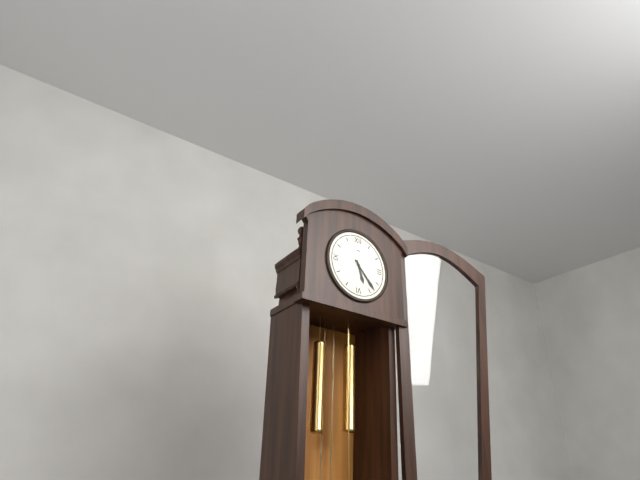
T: 5 h 23 min
